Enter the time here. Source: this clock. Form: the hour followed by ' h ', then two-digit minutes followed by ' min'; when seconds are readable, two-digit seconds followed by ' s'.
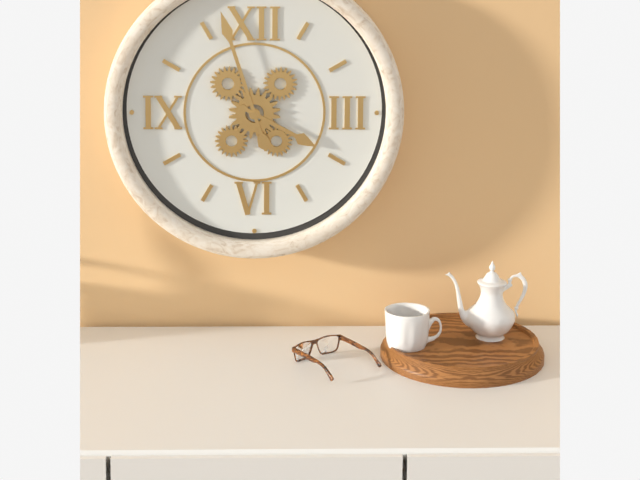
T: 3 h 57 min
